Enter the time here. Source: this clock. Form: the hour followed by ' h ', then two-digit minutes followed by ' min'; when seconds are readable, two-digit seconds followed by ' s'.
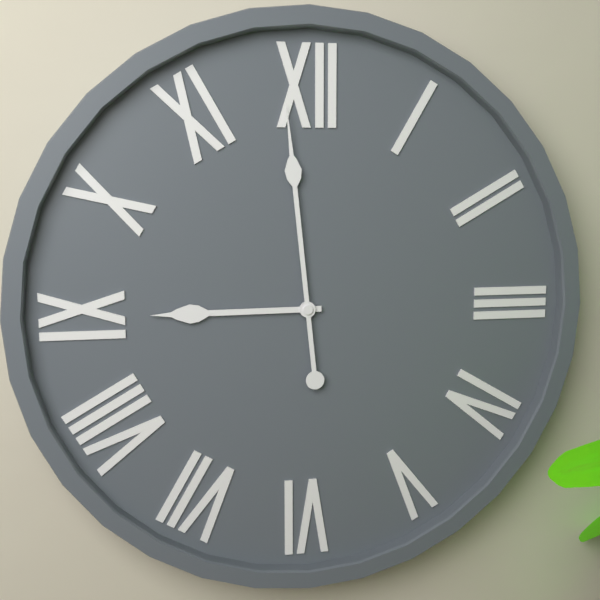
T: 8 h 59 min
